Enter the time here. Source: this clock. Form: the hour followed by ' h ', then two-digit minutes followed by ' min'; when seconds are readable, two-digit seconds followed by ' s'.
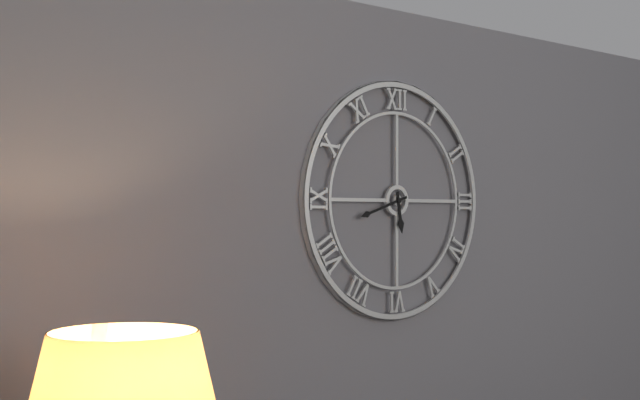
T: 5 h 42 min
